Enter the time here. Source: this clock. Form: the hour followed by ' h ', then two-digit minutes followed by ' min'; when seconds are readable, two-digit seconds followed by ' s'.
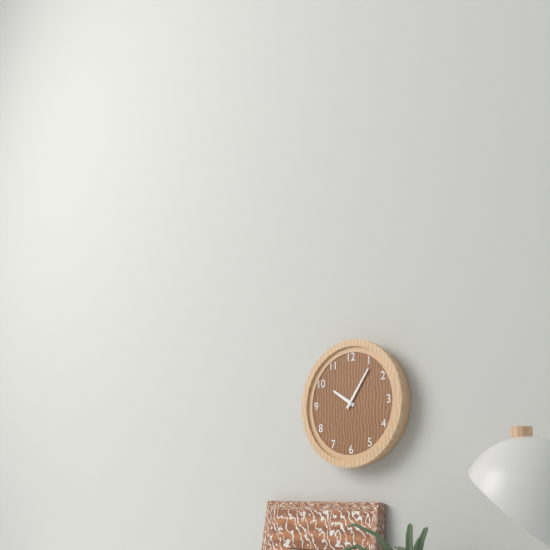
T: 10 h 06 min
